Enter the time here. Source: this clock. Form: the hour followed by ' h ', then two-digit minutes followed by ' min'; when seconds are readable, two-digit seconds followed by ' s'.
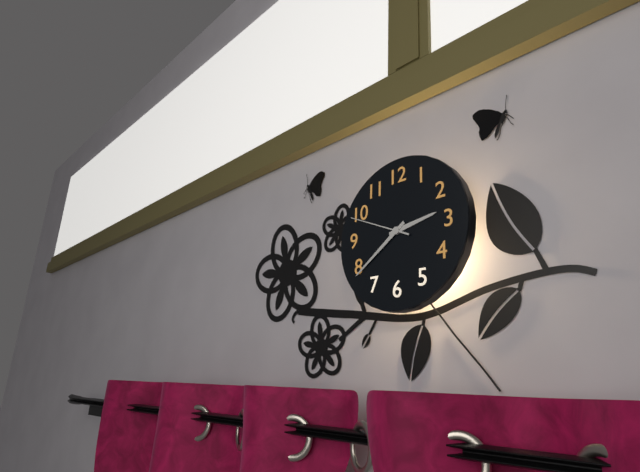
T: 2 h 39 min 49 s
